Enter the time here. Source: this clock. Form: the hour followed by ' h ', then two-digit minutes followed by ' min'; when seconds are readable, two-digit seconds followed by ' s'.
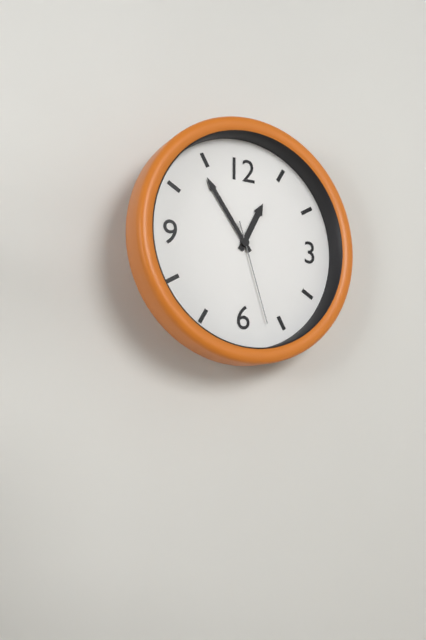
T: 12 h 54 min 27 s
